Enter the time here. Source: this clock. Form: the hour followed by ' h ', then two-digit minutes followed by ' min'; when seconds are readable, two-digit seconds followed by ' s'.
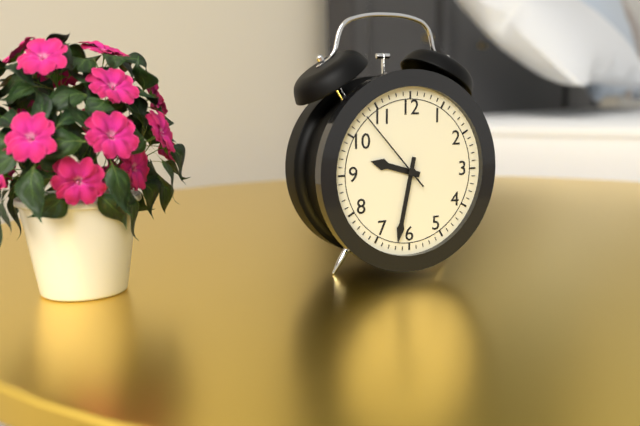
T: 9 h 32 min 53 s
